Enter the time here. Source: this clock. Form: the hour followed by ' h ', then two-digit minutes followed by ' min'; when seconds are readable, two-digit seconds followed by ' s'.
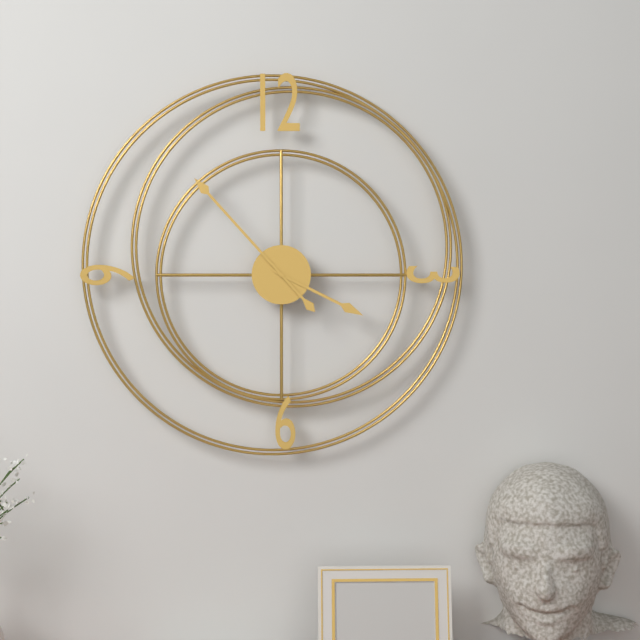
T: 3 h 53 min
